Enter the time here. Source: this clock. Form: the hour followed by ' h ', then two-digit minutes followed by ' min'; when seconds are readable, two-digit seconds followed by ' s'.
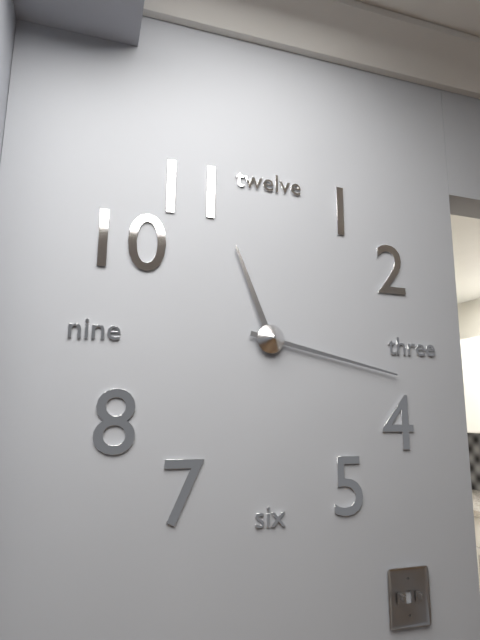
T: 11 h 17 min
